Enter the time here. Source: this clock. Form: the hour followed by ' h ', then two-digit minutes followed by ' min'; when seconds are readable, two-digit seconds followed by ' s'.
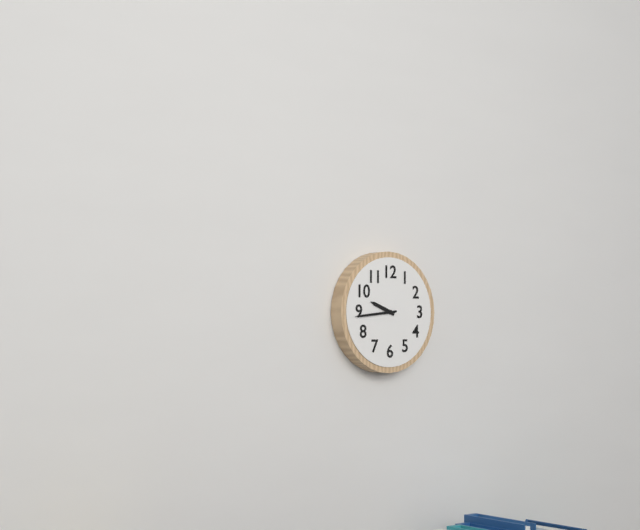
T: 9 h 44 min
